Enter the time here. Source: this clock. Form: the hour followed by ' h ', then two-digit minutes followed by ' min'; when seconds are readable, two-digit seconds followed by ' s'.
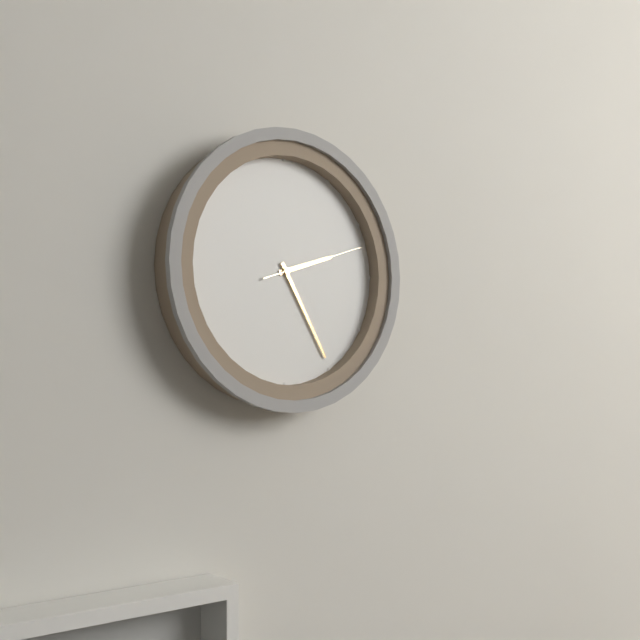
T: 2 h 25 min 12 s
